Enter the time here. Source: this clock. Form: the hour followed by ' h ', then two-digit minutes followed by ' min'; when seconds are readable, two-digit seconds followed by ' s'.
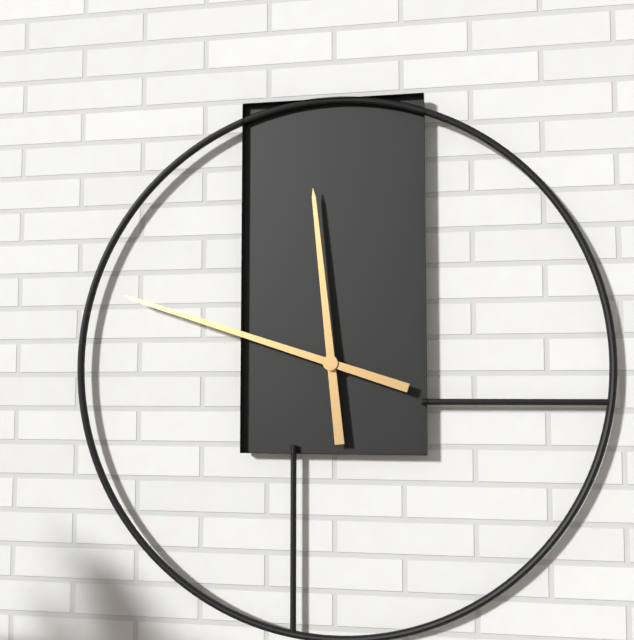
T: 11 h 48 min
